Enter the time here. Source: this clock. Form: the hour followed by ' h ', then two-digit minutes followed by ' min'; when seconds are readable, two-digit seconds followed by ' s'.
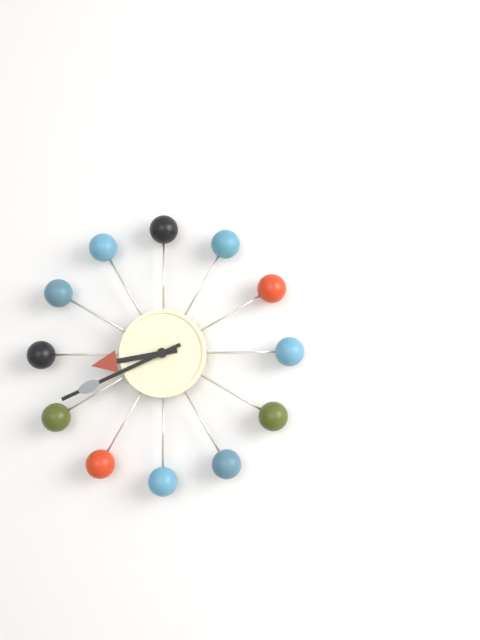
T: 8 h 41 min
